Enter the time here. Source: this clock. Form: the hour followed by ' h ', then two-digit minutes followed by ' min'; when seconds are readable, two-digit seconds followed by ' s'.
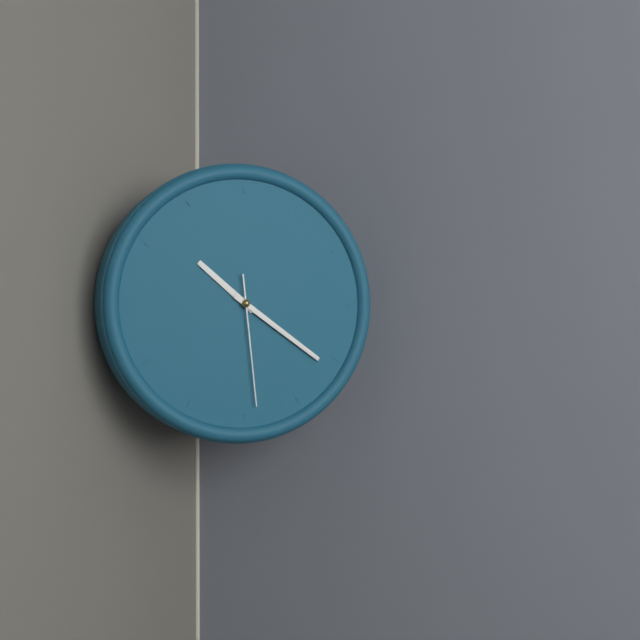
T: 10 h 21 min 29 s
